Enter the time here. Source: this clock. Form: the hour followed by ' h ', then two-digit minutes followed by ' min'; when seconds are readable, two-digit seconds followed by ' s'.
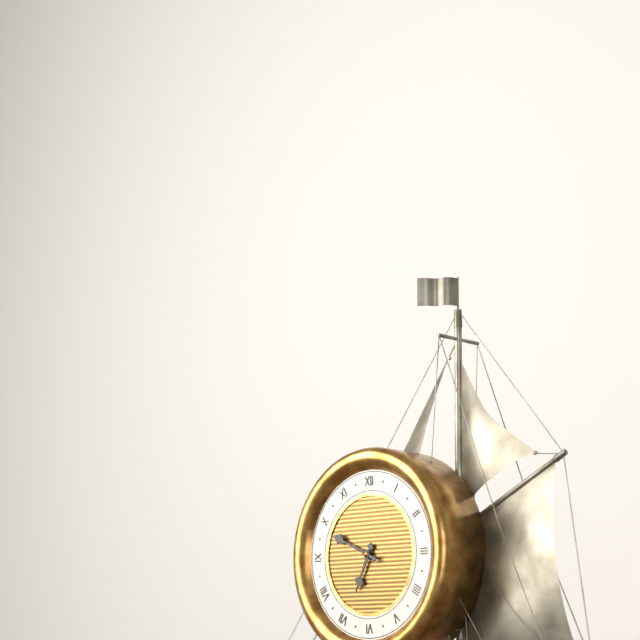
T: 6 h 49 min
